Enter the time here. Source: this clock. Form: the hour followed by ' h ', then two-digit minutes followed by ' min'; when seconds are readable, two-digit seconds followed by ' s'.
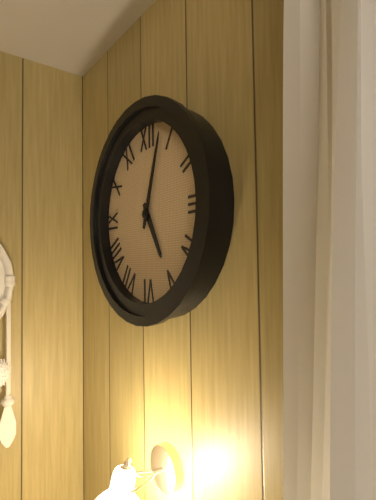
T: 5 h 03 min
